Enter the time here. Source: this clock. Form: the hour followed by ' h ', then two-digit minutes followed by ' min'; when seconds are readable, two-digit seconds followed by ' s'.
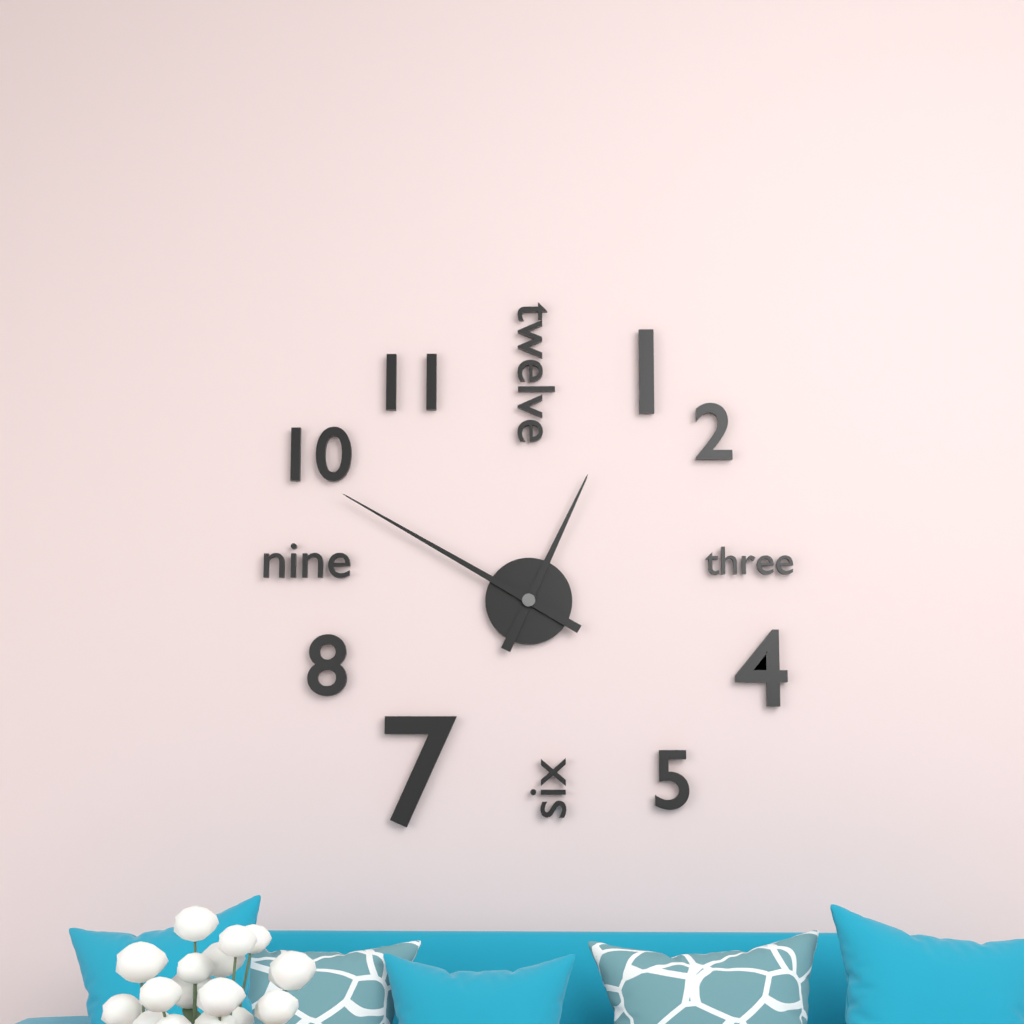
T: 12 h 50 min
